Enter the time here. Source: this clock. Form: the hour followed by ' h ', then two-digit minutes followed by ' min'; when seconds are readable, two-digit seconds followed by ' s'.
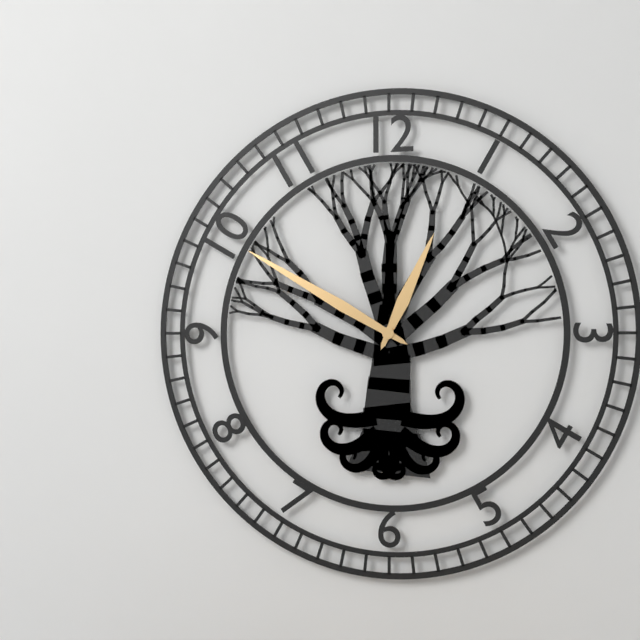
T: 12 h 50 min
